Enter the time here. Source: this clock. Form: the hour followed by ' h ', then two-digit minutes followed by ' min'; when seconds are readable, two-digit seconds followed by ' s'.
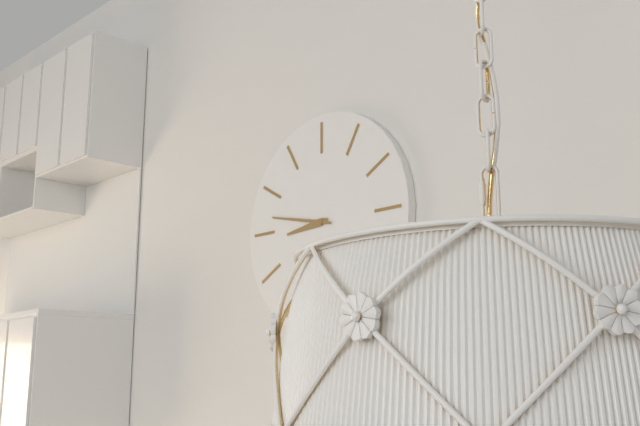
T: 8 h 47 min
